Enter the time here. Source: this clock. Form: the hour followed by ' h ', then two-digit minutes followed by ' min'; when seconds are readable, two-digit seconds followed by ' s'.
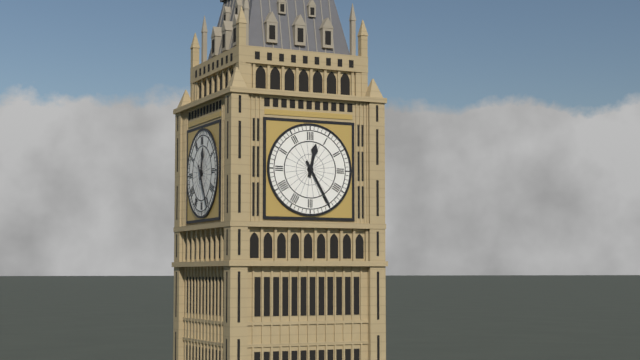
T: 12 h 25 min
